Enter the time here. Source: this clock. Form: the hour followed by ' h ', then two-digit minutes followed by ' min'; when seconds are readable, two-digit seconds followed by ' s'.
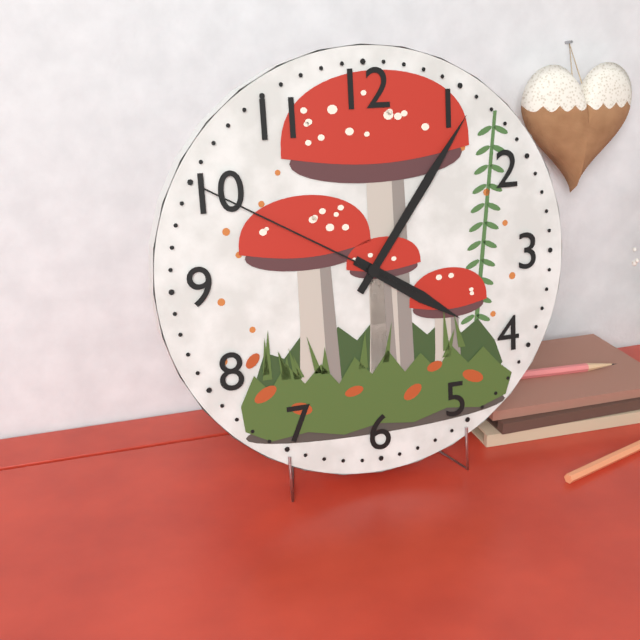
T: 4 h 06 min 50 s
